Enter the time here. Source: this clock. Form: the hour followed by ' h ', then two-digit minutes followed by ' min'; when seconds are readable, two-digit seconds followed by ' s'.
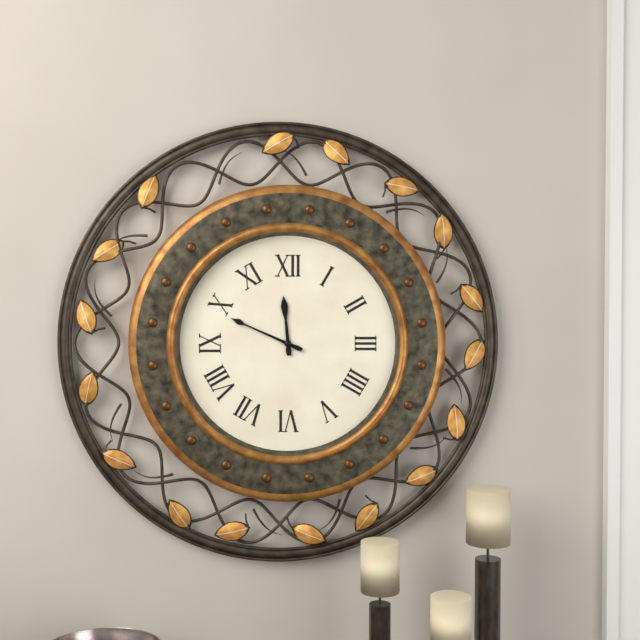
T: 11 h 49 min
